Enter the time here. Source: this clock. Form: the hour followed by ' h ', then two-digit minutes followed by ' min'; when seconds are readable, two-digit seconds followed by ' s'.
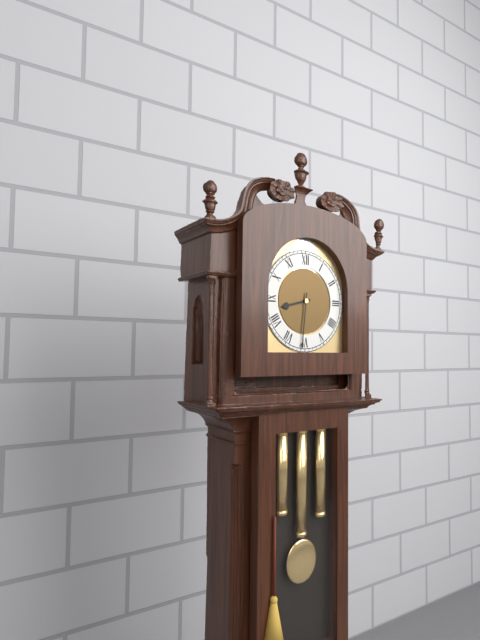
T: 8 h 31 min
